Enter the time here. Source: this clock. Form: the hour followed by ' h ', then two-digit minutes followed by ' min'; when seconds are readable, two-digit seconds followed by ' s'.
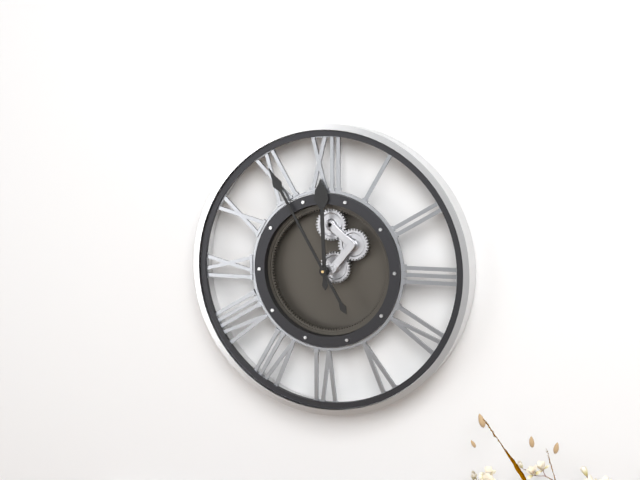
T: 11 h 55 min
